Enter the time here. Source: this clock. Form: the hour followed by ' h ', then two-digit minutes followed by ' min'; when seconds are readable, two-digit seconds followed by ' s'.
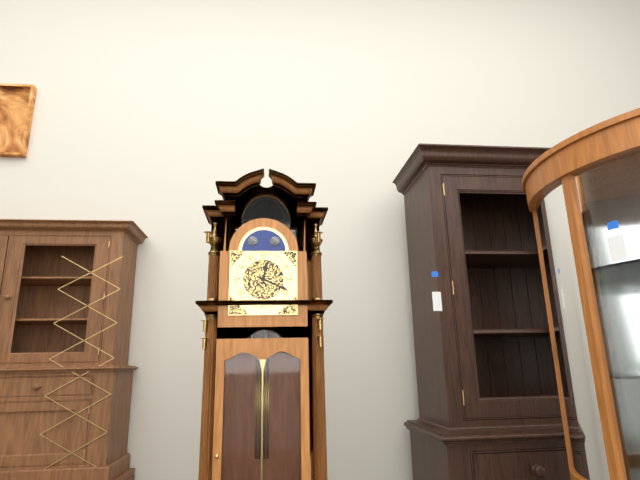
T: 12 h 19 min
